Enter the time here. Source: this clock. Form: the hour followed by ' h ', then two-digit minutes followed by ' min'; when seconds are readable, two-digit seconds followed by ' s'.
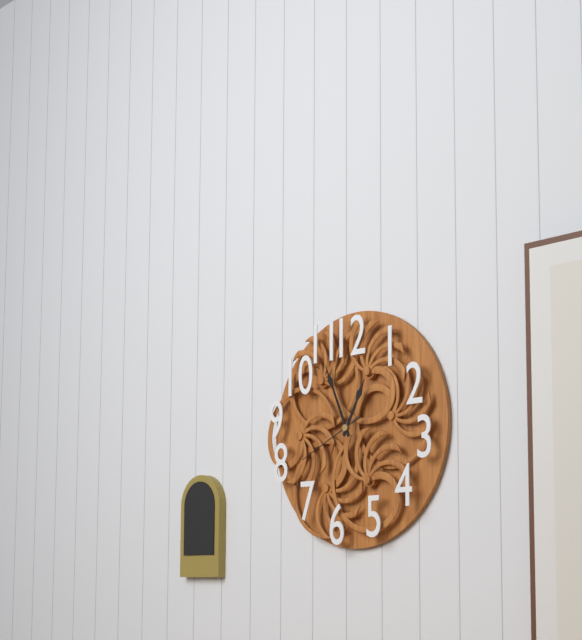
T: 12 h 56 min 41 s
